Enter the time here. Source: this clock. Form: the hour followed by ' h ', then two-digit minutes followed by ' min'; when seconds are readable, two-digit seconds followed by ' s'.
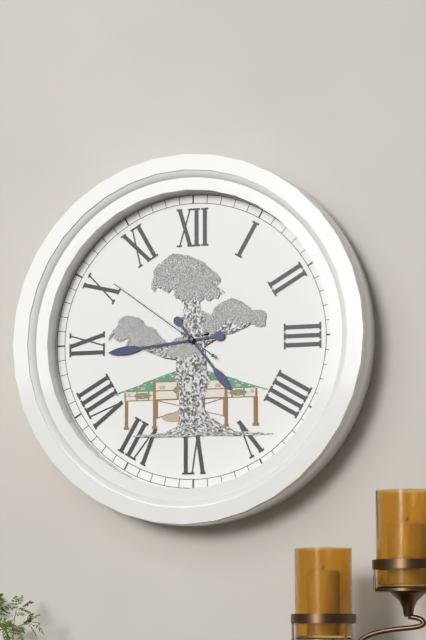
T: 4 h 44 min 51 s
